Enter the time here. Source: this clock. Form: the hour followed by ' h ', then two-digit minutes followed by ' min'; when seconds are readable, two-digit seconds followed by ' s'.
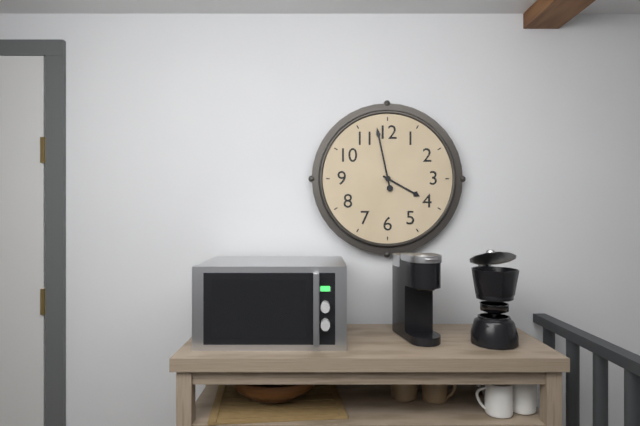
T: 3 h 58 min
